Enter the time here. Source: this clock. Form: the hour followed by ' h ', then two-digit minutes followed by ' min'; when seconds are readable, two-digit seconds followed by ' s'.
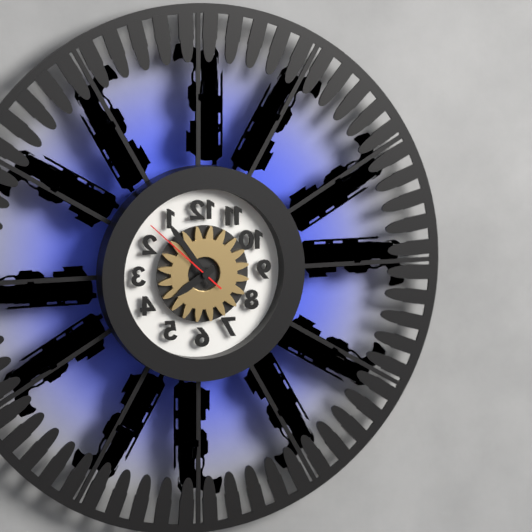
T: 7 h 54 min 52 s
